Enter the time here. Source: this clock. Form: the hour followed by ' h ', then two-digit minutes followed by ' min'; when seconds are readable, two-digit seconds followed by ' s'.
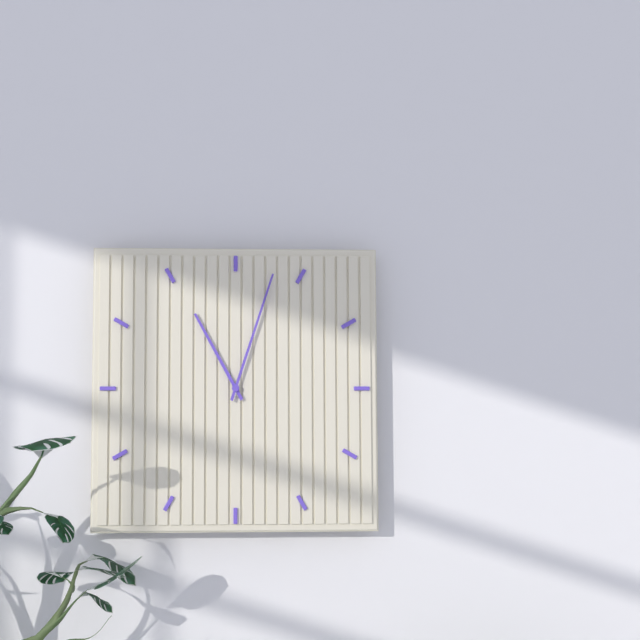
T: 11 h 03 min
